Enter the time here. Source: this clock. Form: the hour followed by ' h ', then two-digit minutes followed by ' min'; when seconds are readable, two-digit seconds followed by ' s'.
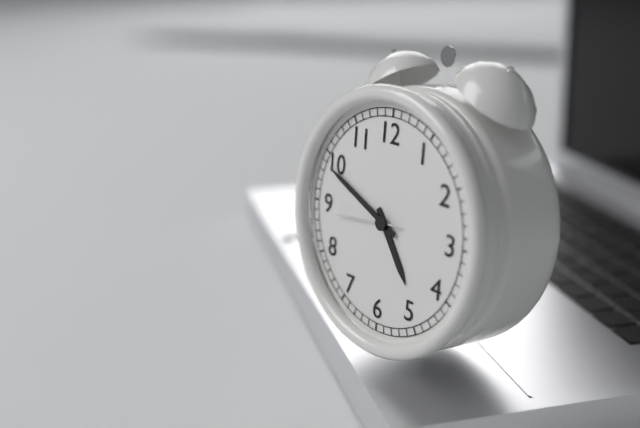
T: 4 h 49 min 44 s
